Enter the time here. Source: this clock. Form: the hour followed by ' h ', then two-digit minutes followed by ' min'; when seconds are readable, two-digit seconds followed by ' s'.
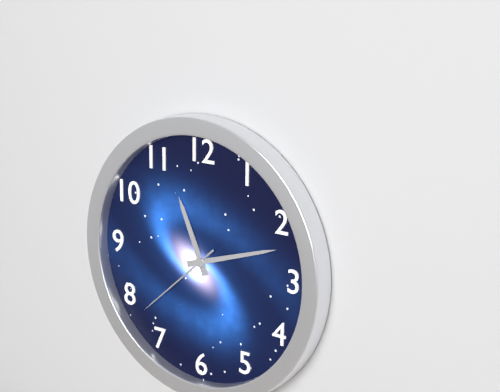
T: 11 h 12 min 38 s
